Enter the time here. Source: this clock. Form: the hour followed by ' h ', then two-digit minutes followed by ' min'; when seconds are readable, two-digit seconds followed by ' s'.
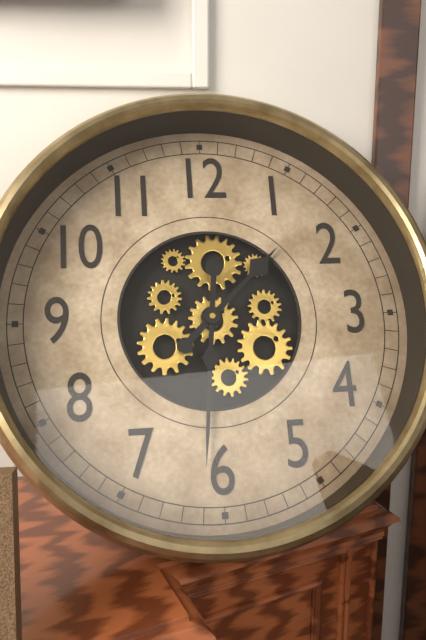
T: 1 h 31 min
